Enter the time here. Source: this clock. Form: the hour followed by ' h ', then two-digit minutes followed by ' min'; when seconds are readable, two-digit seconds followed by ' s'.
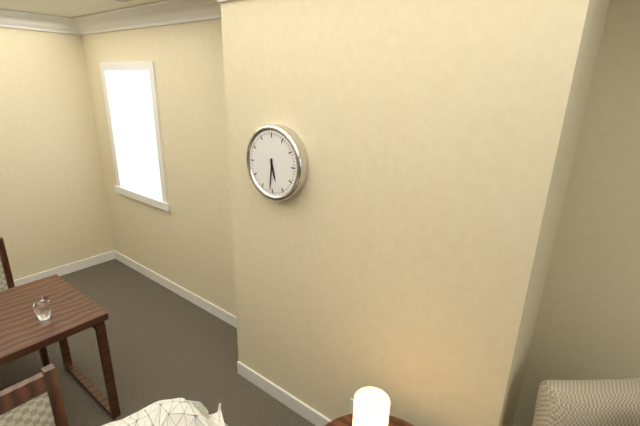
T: 5 h 31 min
